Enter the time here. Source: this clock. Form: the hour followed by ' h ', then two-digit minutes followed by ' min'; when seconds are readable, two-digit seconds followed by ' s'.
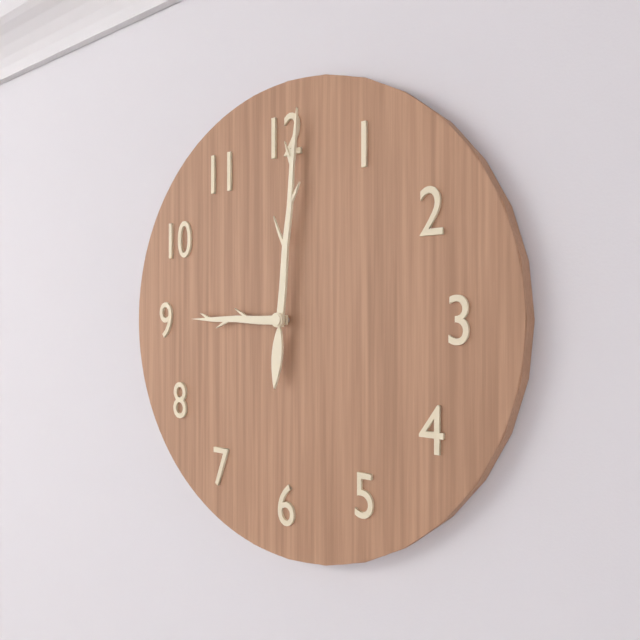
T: 9 h 01 min
